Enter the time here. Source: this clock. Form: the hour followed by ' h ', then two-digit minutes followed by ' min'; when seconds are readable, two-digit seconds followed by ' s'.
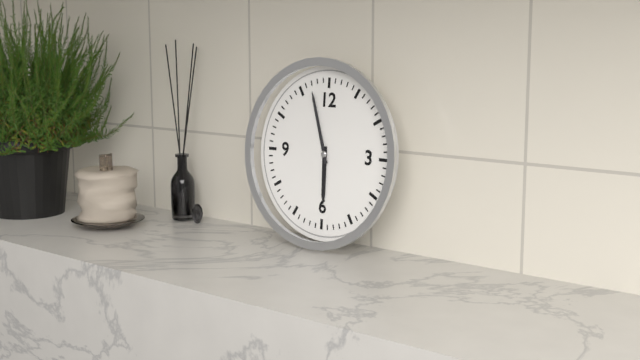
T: 5 h 57 min
